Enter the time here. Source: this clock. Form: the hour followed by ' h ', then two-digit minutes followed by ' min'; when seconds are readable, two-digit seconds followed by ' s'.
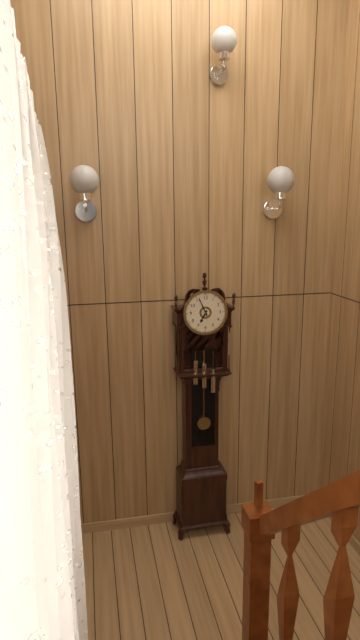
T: 6 h 56 min
